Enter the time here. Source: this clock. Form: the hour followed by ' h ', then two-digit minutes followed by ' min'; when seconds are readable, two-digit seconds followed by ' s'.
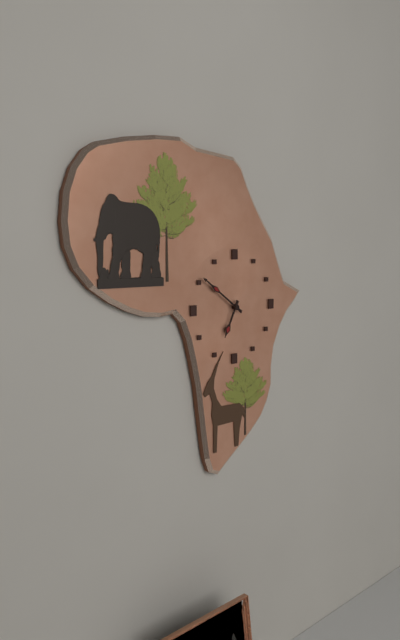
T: 6 h 51 min
